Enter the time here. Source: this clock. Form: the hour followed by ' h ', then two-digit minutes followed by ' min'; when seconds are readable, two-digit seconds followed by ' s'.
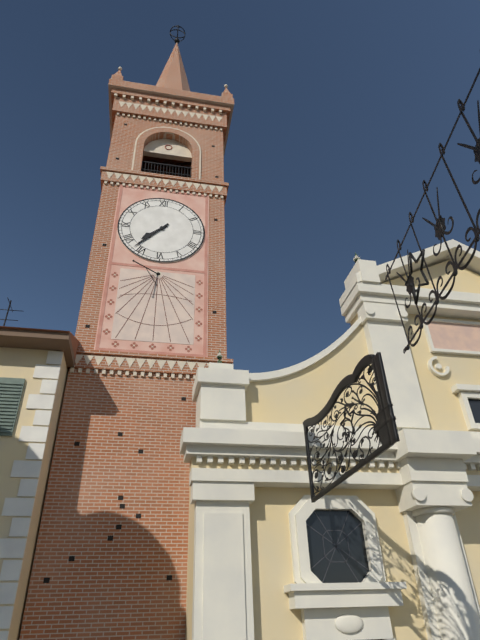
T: 7 h 37 min
